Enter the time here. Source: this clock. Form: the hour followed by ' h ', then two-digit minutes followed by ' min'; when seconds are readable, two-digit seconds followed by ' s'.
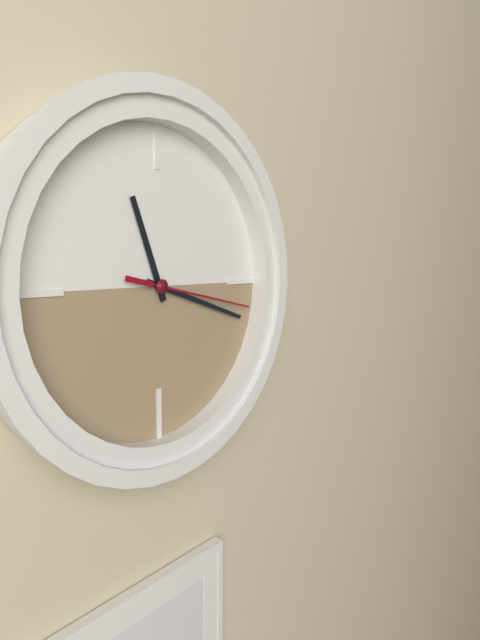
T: 11 h 18 min 17 s
